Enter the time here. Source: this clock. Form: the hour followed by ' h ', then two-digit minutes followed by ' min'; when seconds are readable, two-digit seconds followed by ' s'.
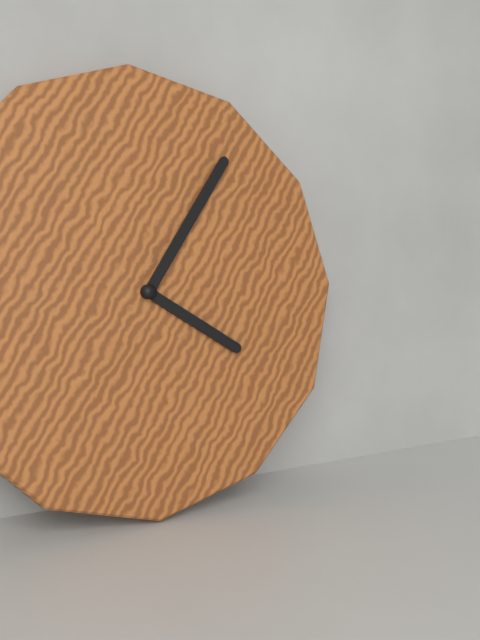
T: 4 h 06 min
